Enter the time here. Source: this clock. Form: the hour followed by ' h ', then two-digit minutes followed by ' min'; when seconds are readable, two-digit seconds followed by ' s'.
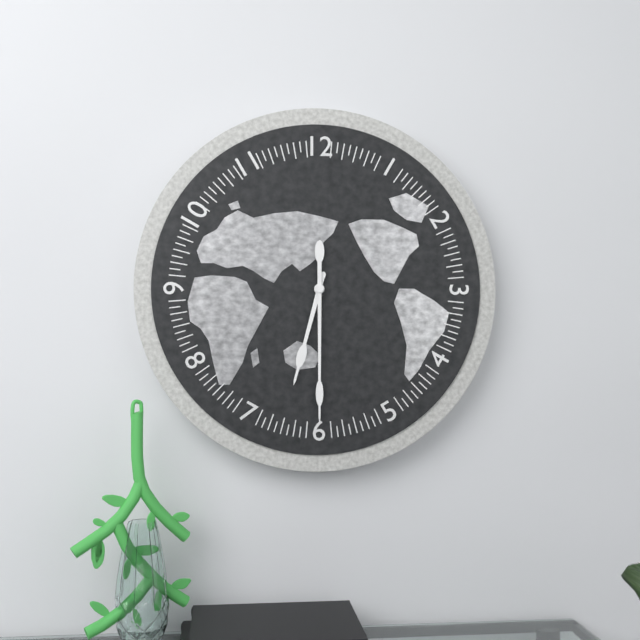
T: 6 h 30 min
